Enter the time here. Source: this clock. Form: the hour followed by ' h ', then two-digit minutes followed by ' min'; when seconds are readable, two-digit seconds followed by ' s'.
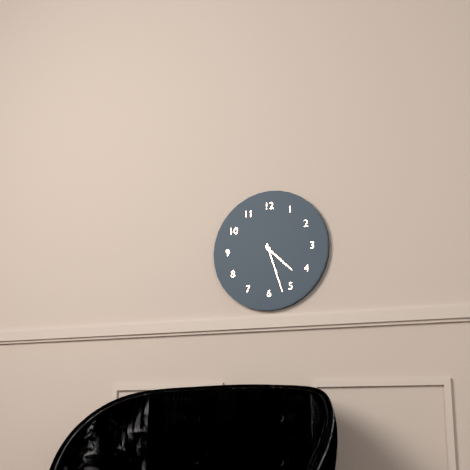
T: 4 h 27 min
